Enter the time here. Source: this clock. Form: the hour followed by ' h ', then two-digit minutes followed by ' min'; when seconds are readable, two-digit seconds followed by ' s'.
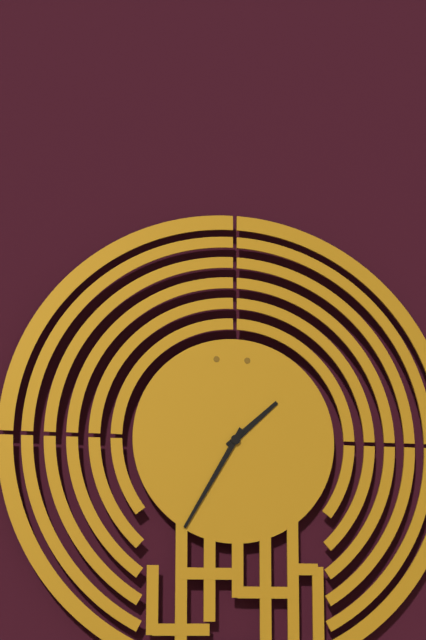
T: 1 h 35 min
